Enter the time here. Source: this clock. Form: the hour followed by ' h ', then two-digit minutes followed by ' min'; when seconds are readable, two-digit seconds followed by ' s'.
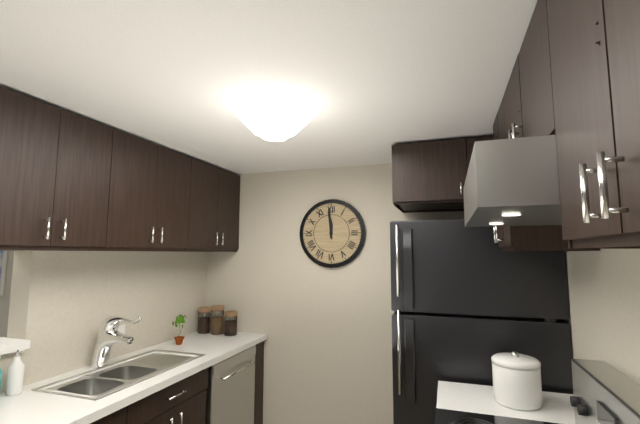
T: 11 h 59 min
